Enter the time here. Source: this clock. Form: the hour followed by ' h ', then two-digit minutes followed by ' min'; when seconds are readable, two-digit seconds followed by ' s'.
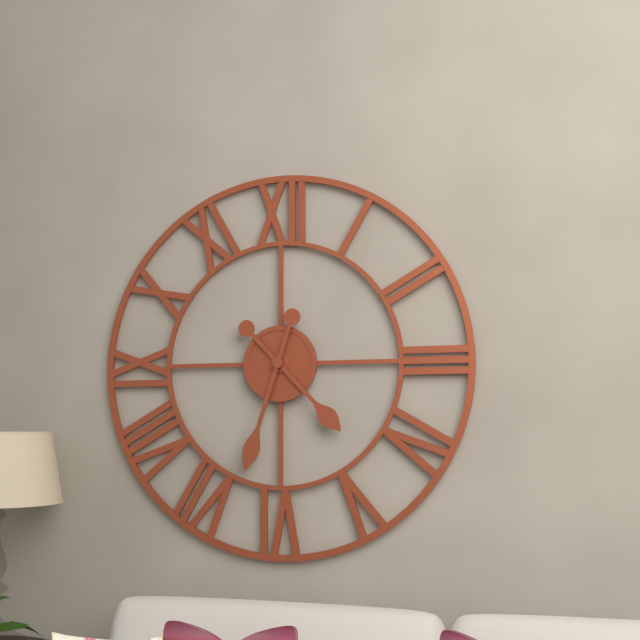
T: 4 h 33 min
